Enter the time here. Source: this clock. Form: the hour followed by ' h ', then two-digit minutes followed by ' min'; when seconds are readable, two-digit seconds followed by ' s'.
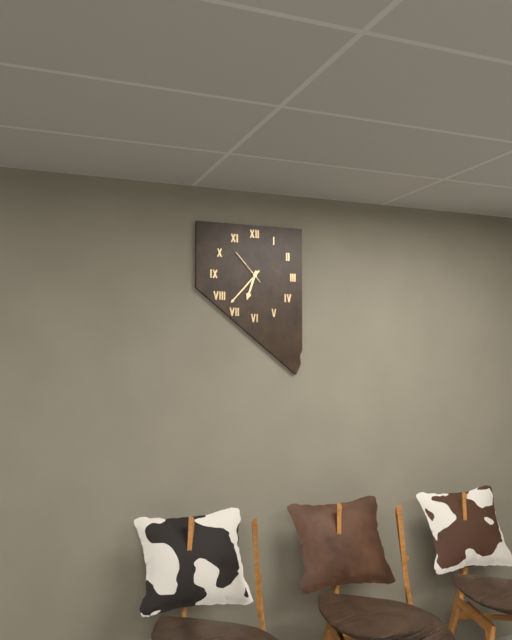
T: 6 h 37 min
